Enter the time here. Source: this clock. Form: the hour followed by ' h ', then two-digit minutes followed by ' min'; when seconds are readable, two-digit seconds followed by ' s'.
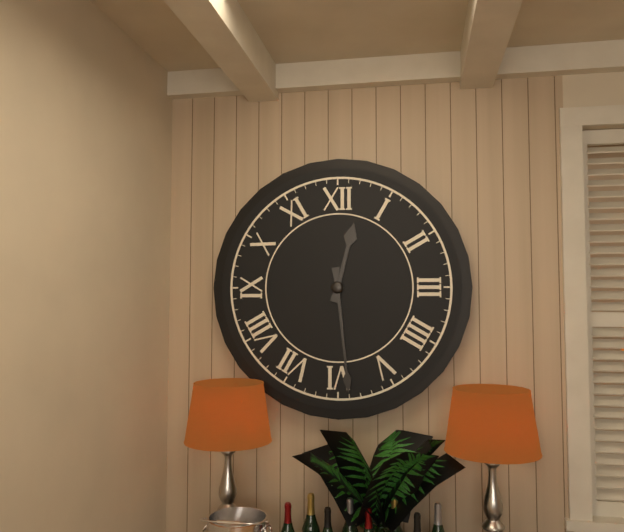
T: 12 h 29 min
